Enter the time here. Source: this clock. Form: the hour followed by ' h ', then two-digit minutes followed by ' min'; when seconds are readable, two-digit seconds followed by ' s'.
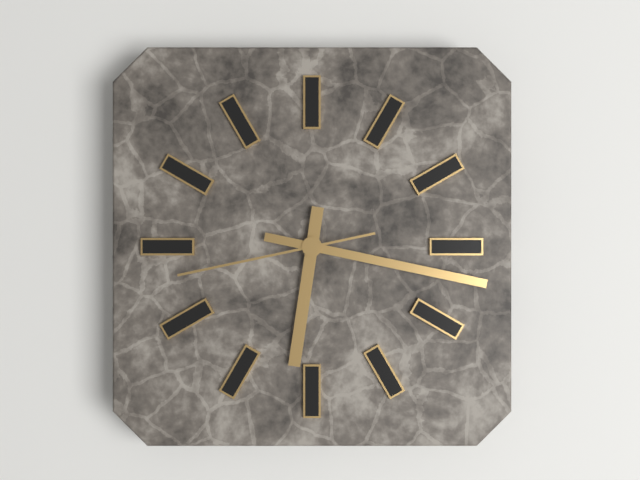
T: 6 h 17 min 43 s
